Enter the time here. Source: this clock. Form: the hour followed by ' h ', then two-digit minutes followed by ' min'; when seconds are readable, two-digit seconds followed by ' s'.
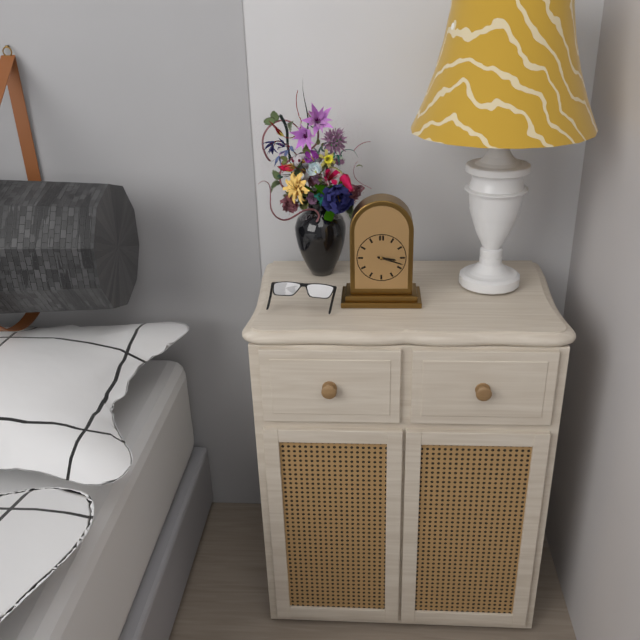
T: 3 h 18 min
